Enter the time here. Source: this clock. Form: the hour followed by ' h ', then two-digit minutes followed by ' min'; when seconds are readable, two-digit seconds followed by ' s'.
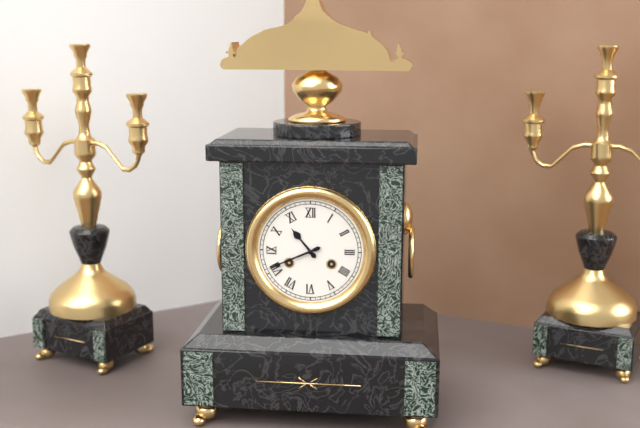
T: 10 h 41 min
